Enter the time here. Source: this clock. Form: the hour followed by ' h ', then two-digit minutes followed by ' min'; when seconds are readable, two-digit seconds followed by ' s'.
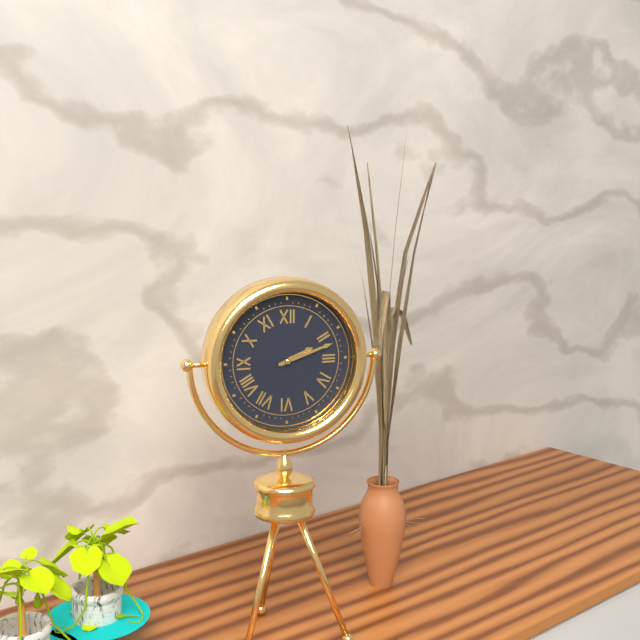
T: 2 h 12 min
